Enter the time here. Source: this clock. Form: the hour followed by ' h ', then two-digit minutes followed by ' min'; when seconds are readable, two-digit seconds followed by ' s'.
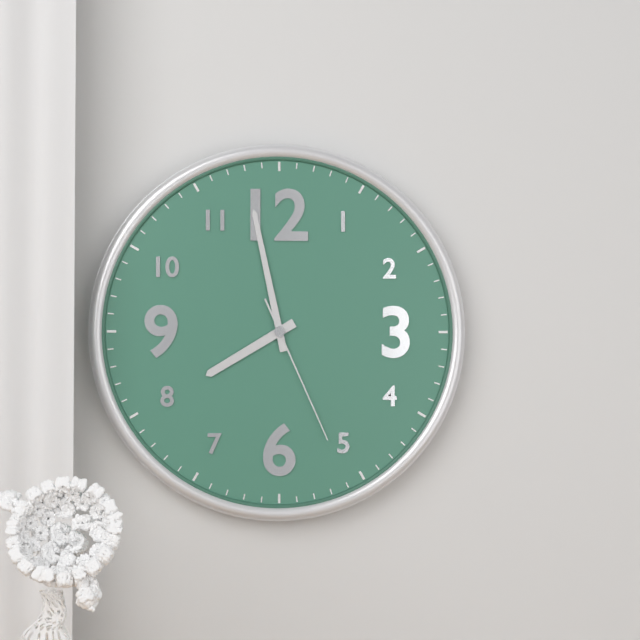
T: 7 h 58 min 26 s
